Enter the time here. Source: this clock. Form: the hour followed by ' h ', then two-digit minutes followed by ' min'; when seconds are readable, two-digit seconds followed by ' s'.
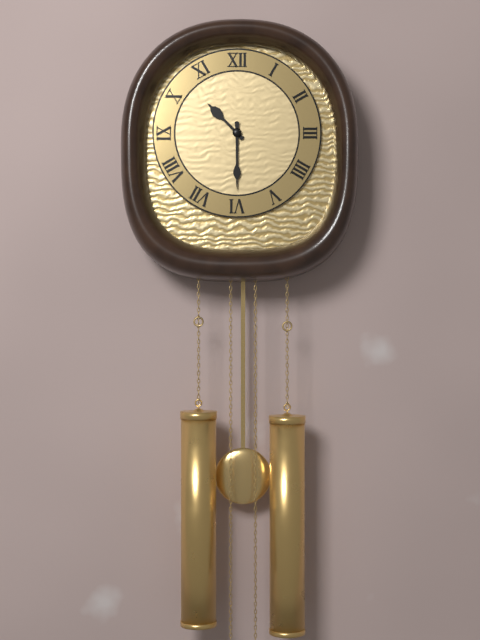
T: 10 h 30 min
